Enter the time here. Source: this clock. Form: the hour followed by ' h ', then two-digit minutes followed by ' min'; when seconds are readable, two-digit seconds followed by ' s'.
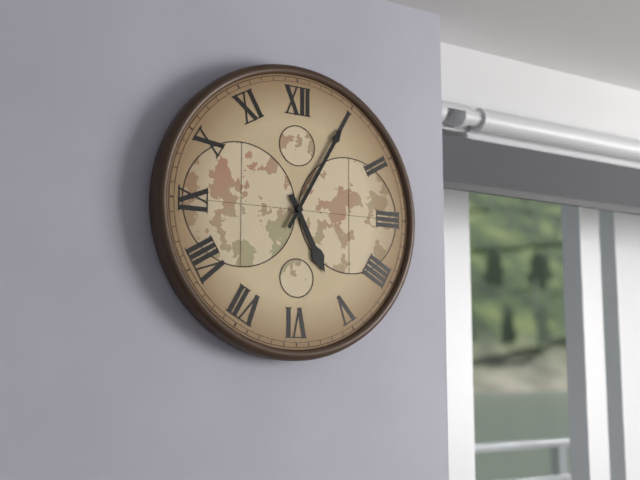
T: 5 h 05 min
